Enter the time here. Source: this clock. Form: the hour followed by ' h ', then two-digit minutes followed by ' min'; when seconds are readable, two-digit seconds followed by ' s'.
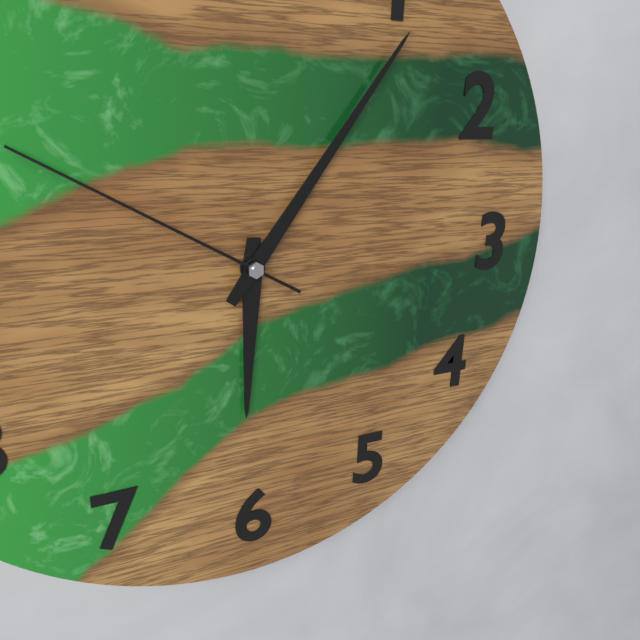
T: 6 h 06 min 50 s
